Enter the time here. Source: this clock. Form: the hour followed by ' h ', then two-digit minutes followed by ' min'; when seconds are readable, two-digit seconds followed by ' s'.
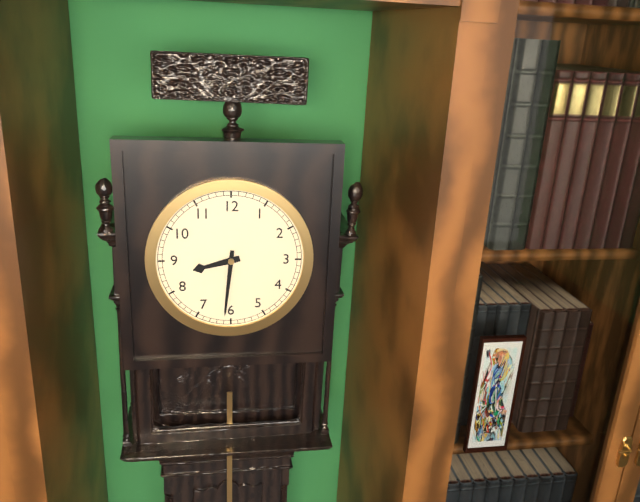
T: 8 h 31 min
